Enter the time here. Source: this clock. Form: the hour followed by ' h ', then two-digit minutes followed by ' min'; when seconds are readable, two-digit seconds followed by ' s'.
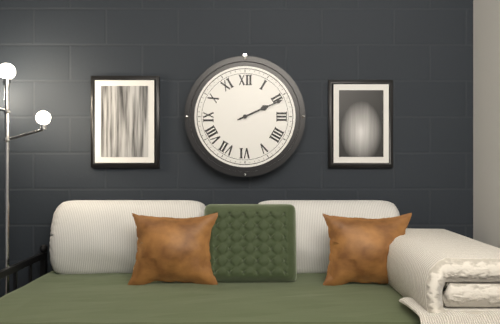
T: 2 h 11 min
